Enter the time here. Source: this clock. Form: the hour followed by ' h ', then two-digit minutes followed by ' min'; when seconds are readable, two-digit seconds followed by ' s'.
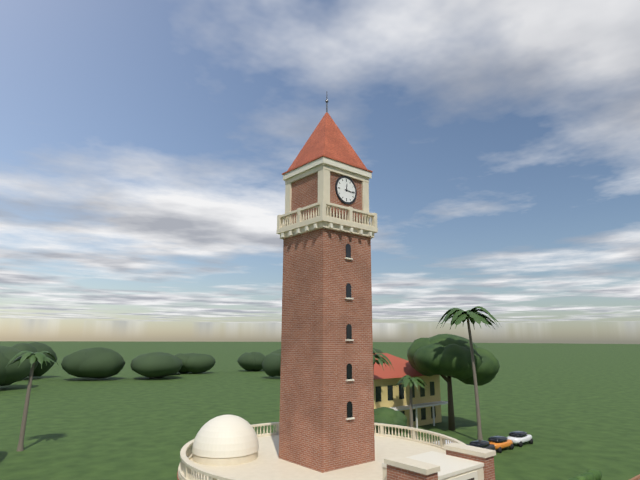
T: 12 h 16 min
